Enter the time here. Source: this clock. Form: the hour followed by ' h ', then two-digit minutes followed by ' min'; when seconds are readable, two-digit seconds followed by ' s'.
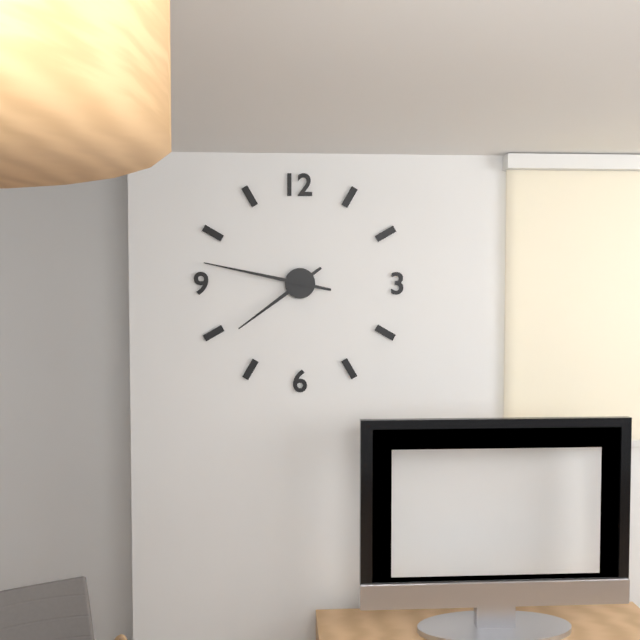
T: 7 h 47 min
